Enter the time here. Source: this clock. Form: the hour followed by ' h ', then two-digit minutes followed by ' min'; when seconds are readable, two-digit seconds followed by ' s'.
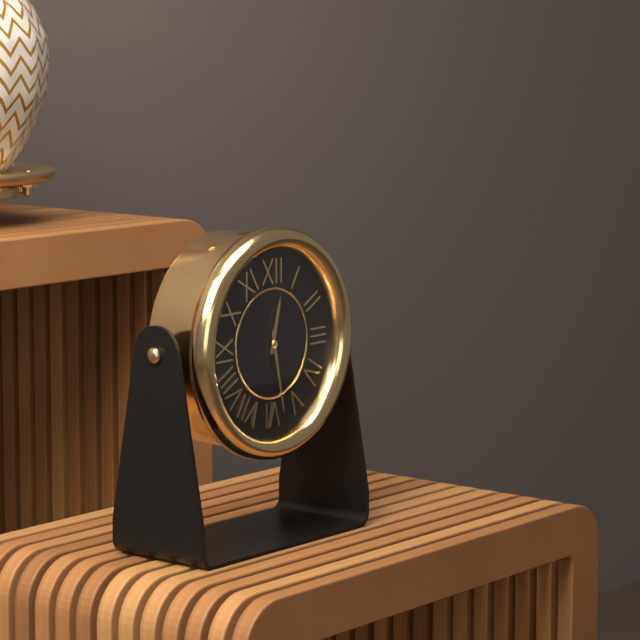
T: 12 h 28 min
